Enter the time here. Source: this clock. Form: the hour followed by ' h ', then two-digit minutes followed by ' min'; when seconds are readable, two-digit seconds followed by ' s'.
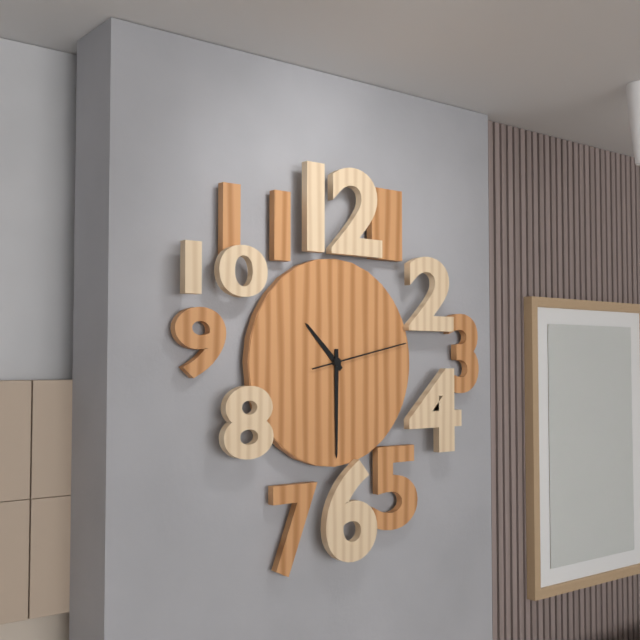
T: 10 h 30 min 13 s
